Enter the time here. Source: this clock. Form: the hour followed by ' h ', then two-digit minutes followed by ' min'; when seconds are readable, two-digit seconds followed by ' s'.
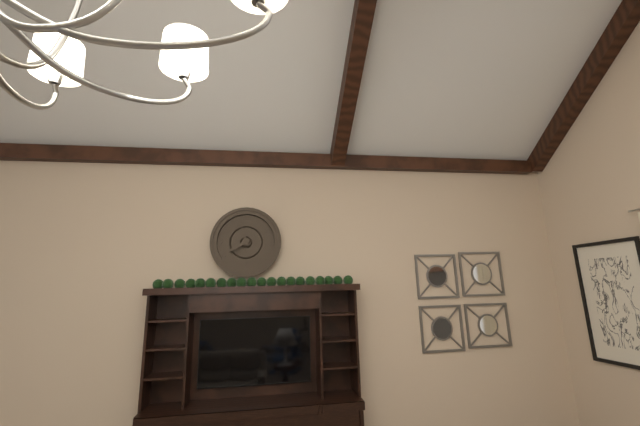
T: 7 h 57 min
